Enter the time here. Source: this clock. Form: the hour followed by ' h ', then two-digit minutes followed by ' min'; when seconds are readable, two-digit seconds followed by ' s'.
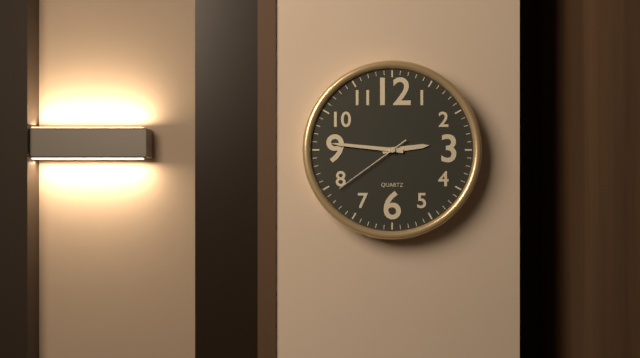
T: 2 h 46 min 39 s
